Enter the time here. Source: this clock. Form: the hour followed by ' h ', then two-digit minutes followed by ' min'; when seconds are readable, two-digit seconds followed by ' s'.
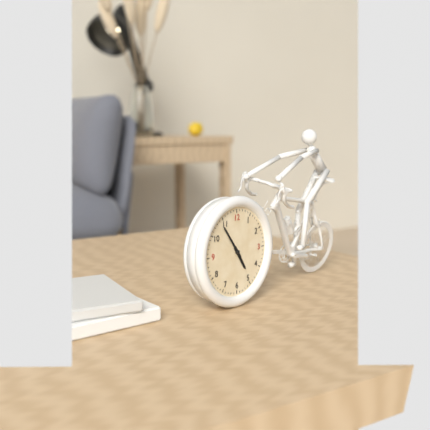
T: 4 h 54 min
